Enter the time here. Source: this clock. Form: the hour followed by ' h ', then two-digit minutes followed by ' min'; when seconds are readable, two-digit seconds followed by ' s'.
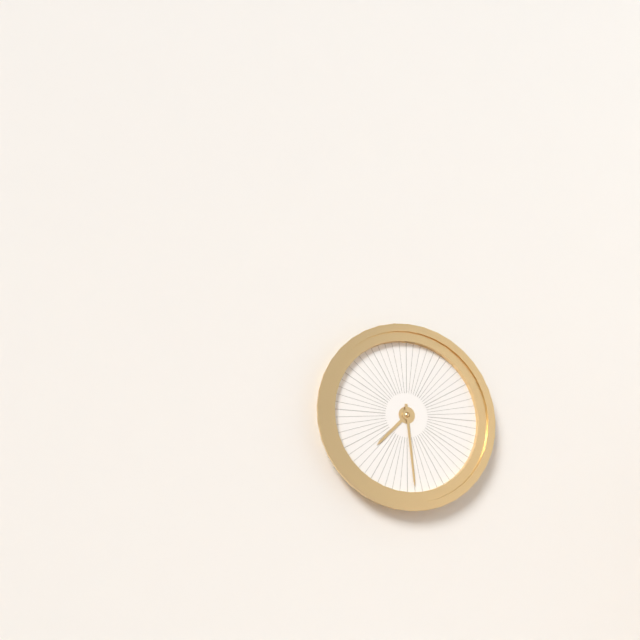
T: 7 h 29 min
